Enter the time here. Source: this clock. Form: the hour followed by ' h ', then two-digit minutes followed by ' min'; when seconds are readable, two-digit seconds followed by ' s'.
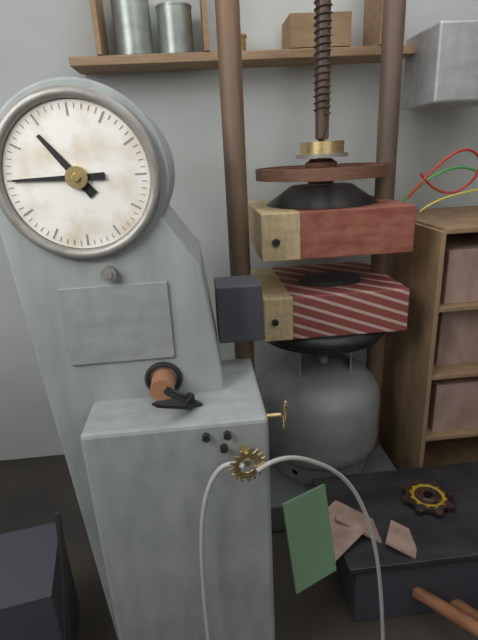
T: 10 h 45 min
